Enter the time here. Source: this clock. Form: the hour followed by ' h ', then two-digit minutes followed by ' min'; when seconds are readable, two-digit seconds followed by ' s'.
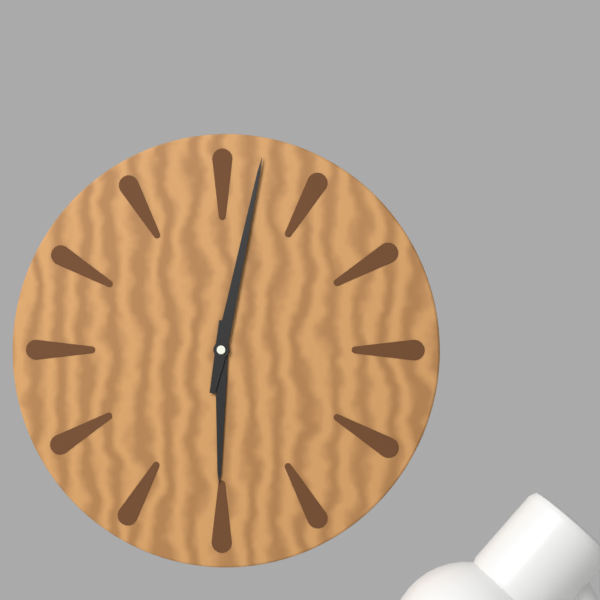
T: 6 h 02 min
